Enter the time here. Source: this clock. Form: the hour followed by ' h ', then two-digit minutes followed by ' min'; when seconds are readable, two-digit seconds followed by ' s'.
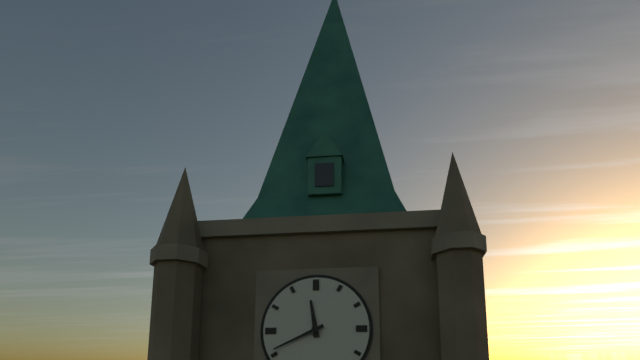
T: 11 h 41 min
